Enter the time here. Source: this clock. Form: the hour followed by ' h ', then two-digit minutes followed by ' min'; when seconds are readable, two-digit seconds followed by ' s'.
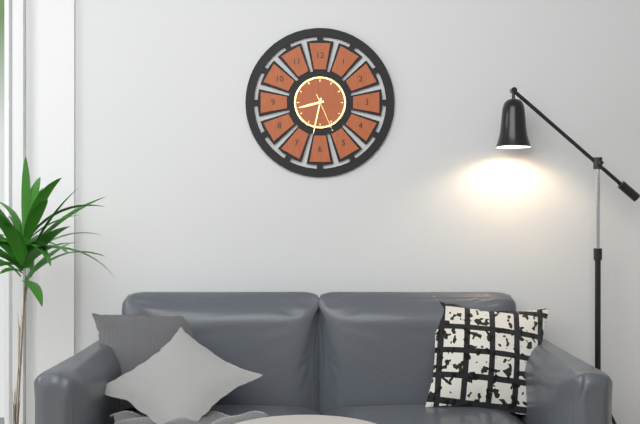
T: 8 h 32 min
